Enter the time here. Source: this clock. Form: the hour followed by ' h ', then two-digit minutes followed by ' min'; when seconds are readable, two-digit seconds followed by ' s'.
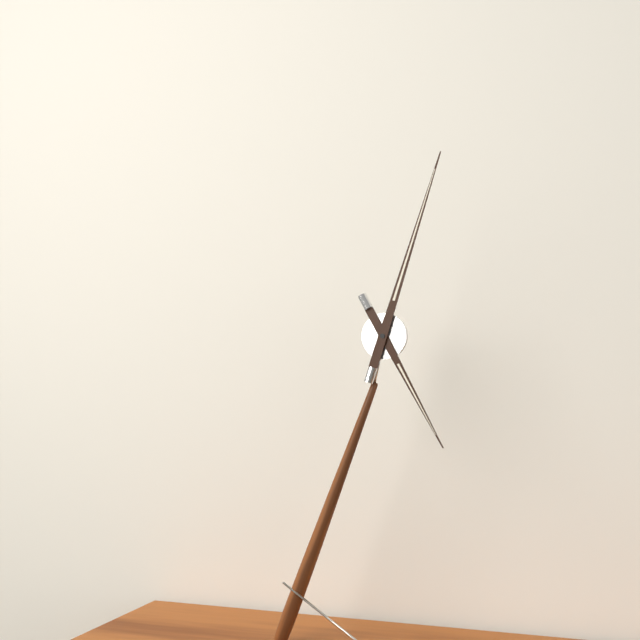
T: 5 h 03 min
